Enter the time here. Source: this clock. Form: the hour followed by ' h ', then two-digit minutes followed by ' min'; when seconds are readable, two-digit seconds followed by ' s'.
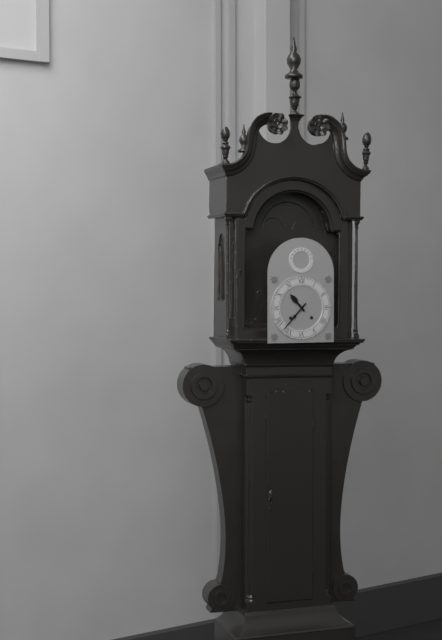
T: 10 h 37 min
